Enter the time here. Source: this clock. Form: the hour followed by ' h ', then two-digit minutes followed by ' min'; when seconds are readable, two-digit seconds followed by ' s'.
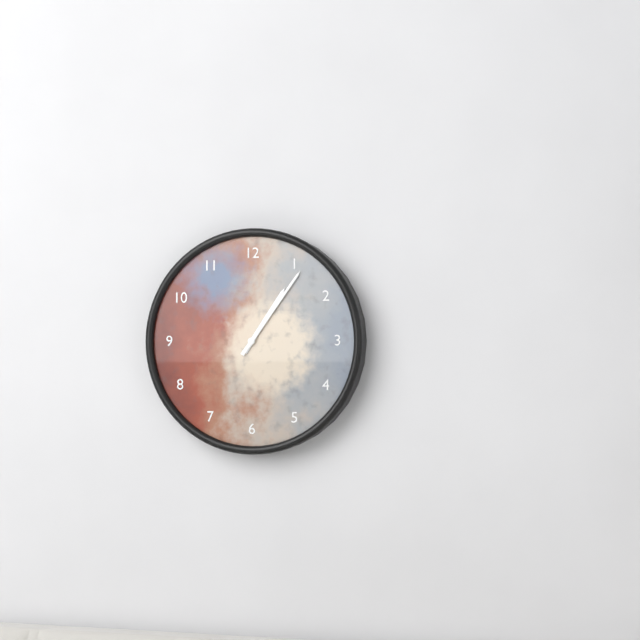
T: 1 h 06 min
